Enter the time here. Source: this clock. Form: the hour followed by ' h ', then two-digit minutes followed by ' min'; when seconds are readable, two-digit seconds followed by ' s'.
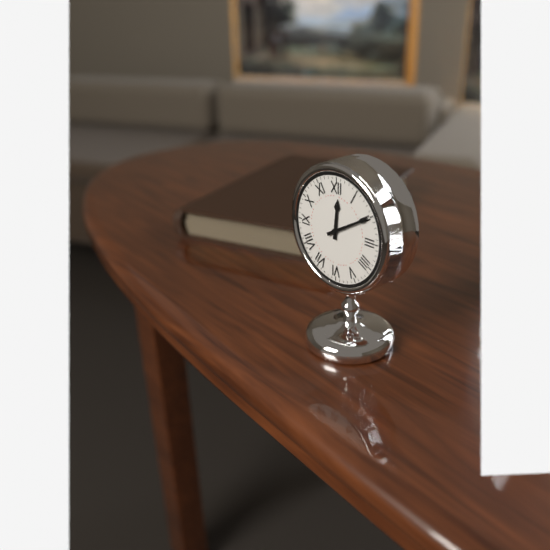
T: 12 h 10 min
